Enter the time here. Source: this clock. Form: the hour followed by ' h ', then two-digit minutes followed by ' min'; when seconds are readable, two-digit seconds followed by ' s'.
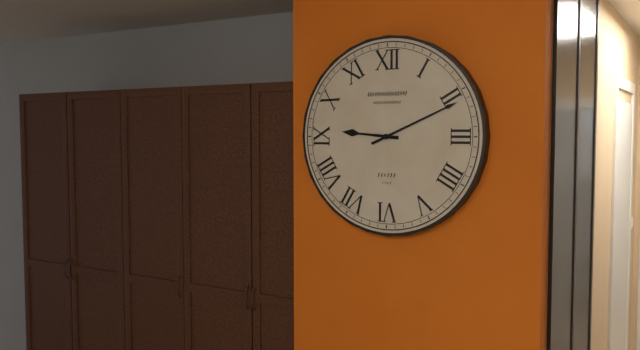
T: 9 h 11 min
